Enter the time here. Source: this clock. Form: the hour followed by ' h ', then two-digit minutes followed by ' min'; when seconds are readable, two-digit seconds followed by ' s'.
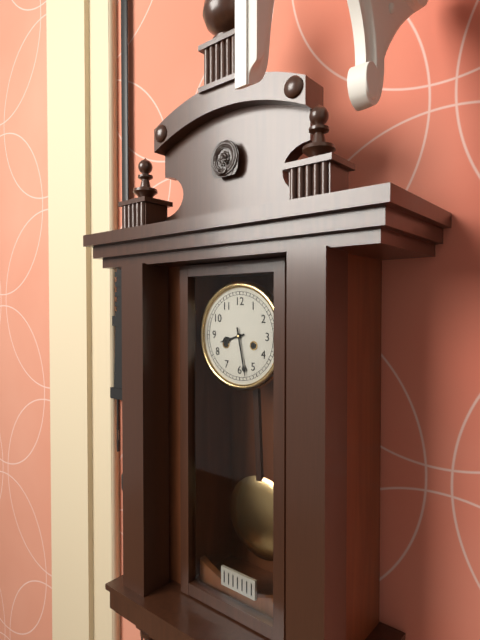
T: 8 h 28 min
